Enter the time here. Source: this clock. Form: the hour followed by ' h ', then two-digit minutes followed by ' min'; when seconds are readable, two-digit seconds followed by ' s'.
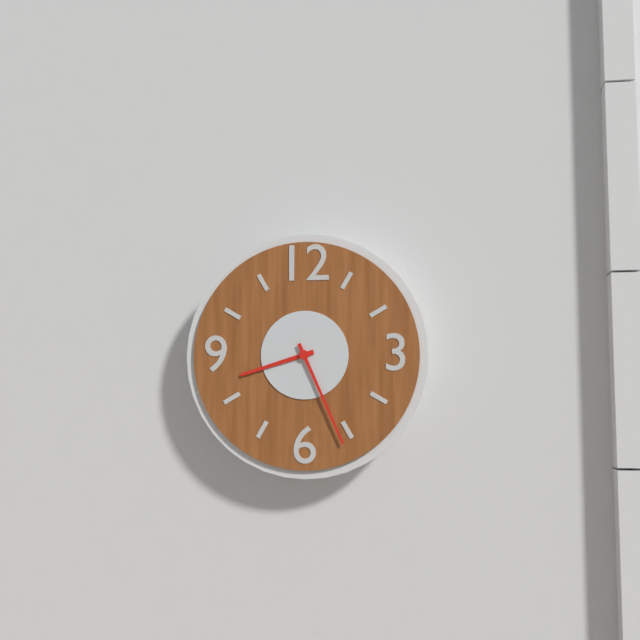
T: 8 h 26 min
